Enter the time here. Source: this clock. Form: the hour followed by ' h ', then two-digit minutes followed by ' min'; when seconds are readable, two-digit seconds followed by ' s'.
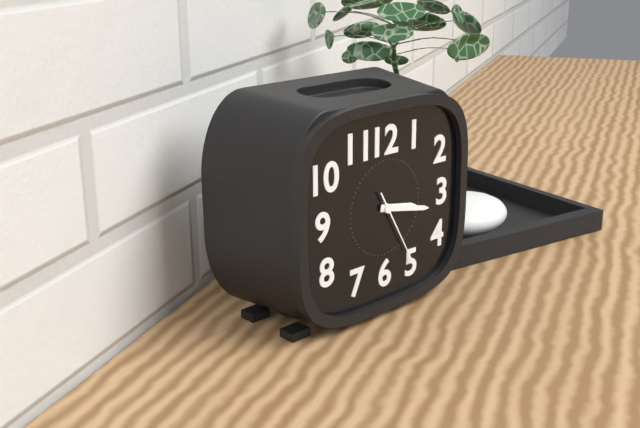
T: 3 h 17 min 25 s
